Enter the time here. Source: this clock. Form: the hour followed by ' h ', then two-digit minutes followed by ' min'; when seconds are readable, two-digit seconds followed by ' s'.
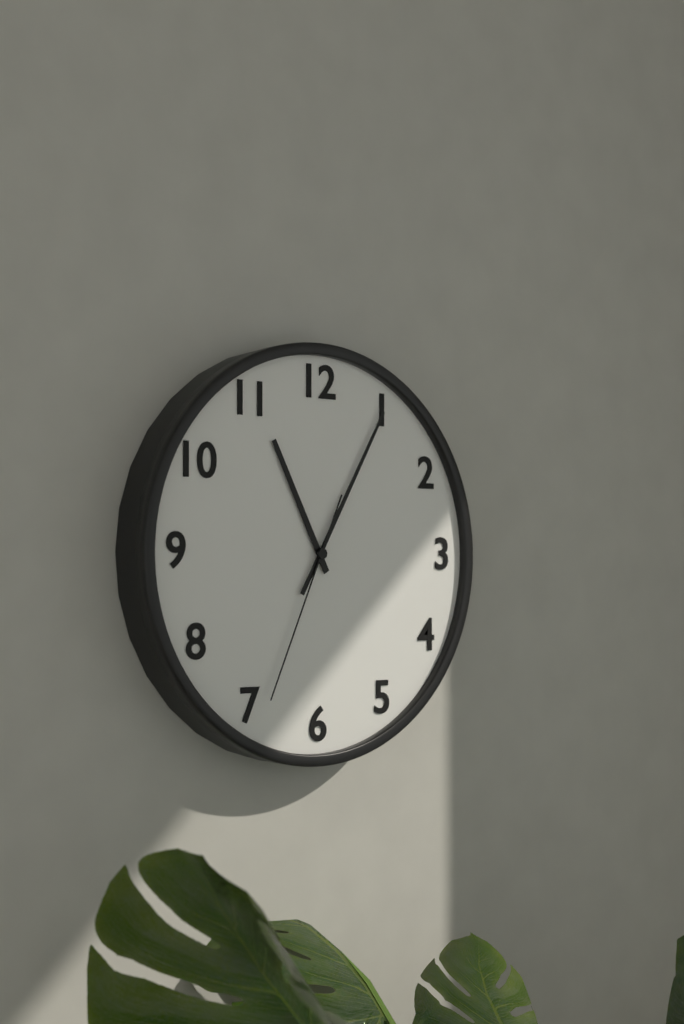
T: 11 h 05 min 34 s
